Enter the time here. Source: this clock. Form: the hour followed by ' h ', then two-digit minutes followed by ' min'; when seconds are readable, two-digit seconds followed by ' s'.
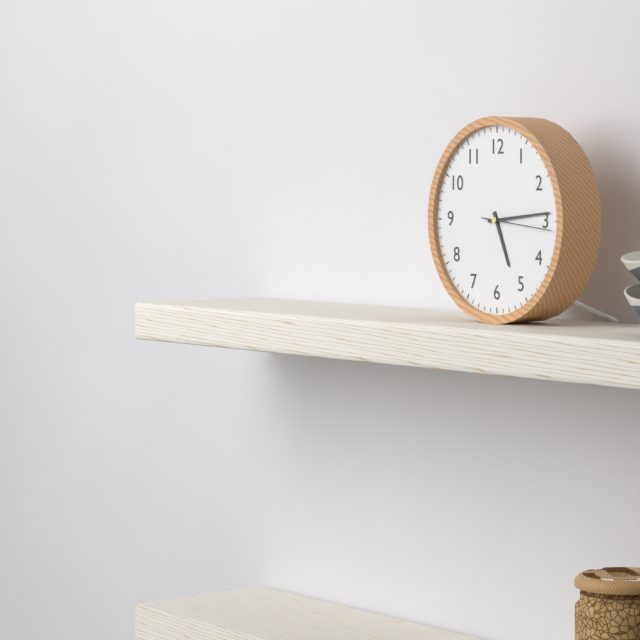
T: 5 h 14 min 16 s
